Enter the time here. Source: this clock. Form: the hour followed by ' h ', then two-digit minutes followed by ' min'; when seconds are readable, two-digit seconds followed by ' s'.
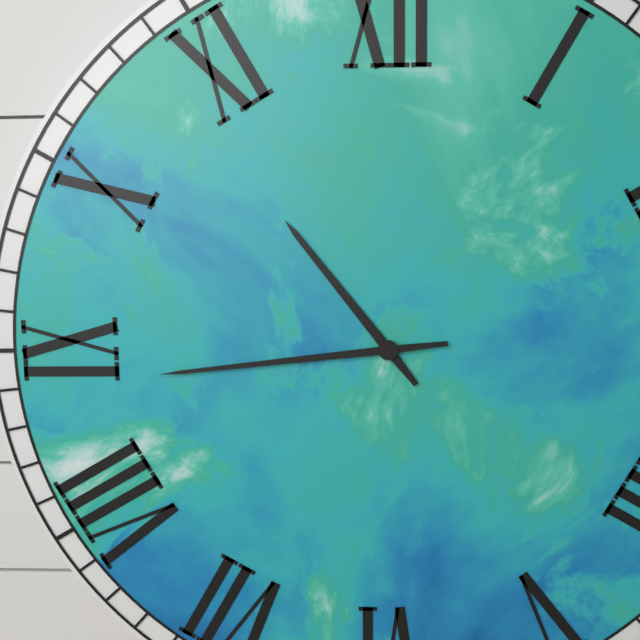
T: 10 h 44 min
